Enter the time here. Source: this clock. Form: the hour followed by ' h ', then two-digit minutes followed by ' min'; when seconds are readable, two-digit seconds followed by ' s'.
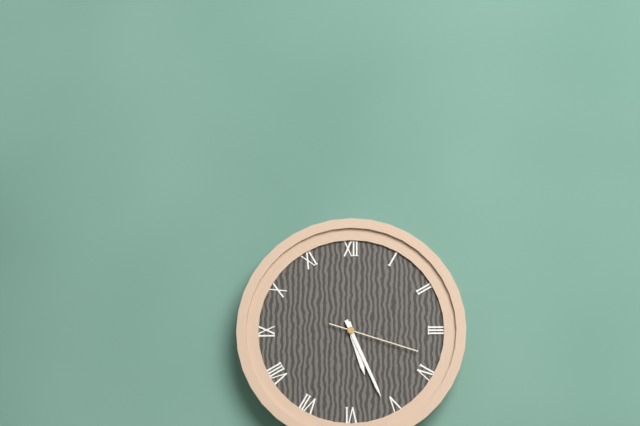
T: 5 h 26 min 18 s
